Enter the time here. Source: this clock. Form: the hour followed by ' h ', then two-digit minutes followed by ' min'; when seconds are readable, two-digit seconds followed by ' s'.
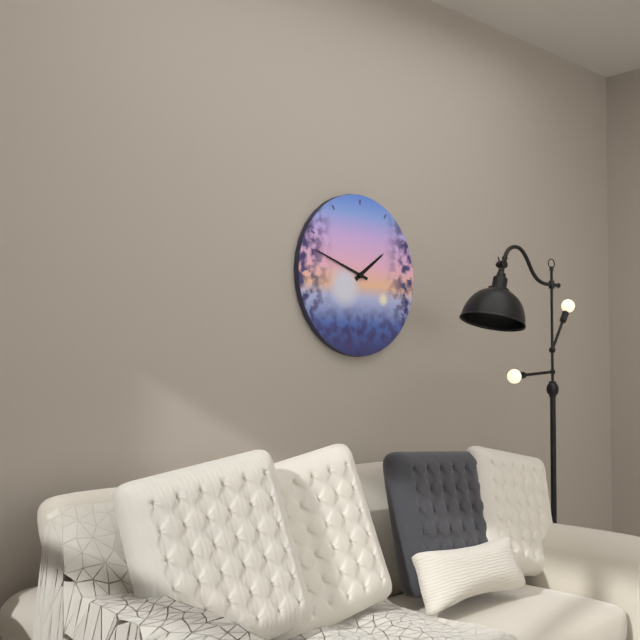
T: 1 h 48 min
